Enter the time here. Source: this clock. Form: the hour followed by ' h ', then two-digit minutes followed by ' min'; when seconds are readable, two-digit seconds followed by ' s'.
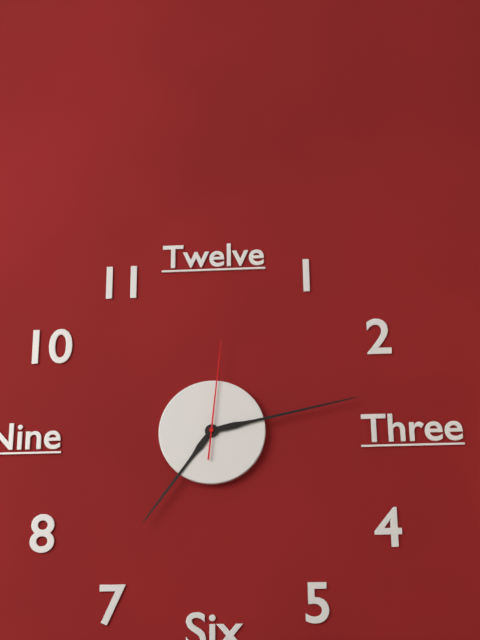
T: 7 h 13 min 01 s
